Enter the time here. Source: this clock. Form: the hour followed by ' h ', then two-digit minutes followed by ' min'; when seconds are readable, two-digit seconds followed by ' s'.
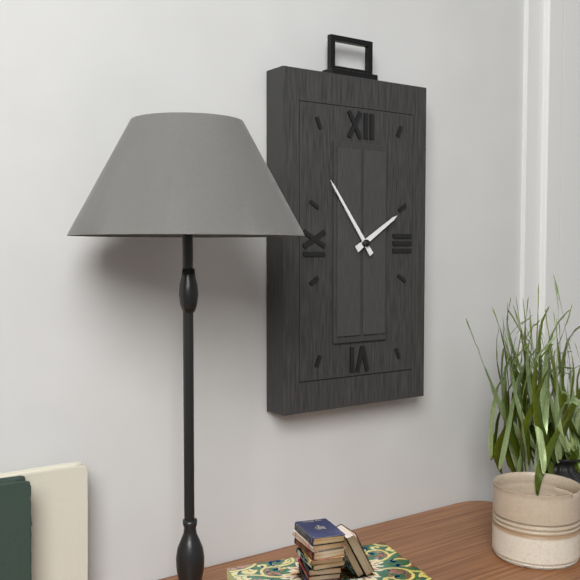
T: 1 h 54 min
